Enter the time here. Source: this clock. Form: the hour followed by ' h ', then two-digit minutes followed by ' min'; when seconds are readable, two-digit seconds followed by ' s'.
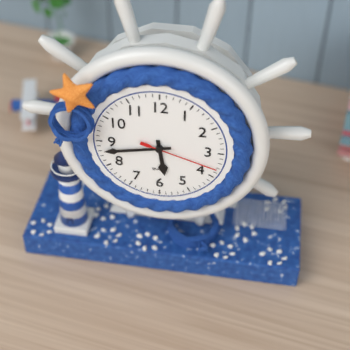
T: 5 h 43 min 18 s
